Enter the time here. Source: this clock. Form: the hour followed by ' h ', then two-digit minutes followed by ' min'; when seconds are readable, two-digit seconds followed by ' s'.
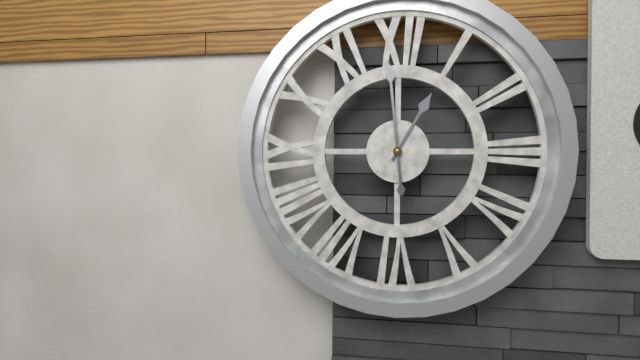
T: 12 h 59 min
